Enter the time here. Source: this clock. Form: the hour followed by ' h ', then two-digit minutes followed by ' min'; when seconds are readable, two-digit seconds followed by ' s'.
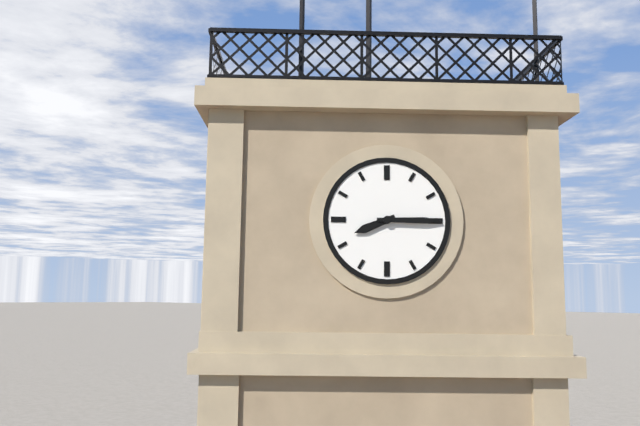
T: 8 h 15 min
